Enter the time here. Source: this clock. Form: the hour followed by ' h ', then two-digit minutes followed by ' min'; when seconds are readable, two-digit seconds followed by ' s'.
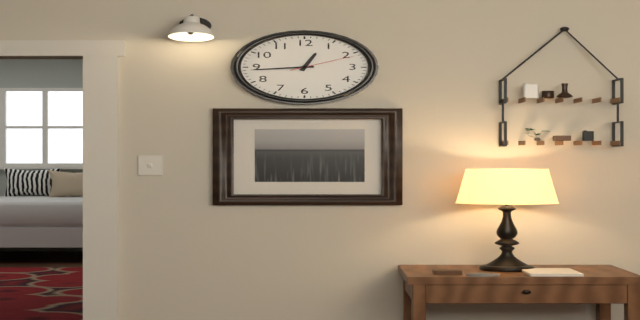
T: 12 h 44 min 11 s
